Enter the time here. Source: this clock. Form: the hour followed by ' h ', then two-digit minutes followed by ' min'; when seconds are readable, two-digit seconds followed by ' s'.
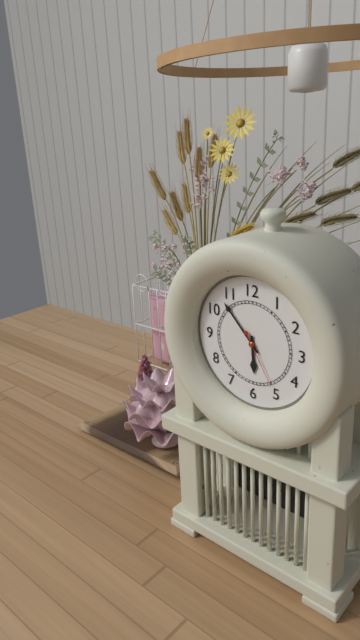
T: 5 h 53 min 25 s
